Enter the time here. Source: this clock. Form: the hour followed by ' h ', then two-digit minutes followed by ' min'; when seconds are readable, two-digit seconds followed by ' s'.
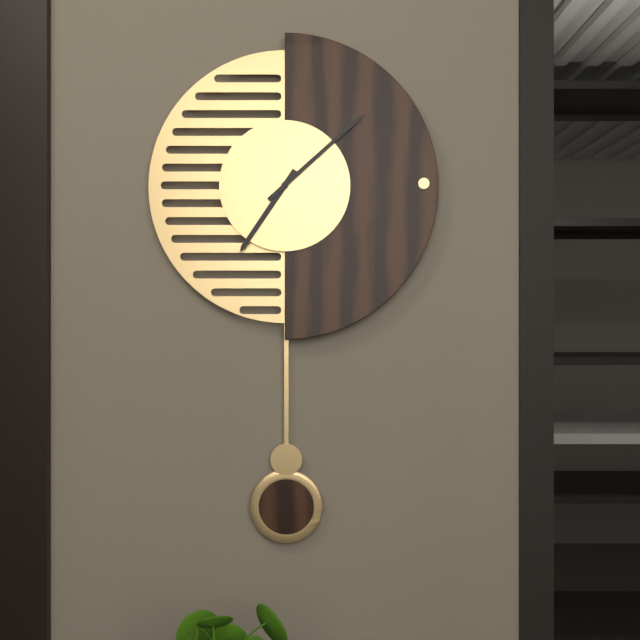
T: 7 h 08 min
